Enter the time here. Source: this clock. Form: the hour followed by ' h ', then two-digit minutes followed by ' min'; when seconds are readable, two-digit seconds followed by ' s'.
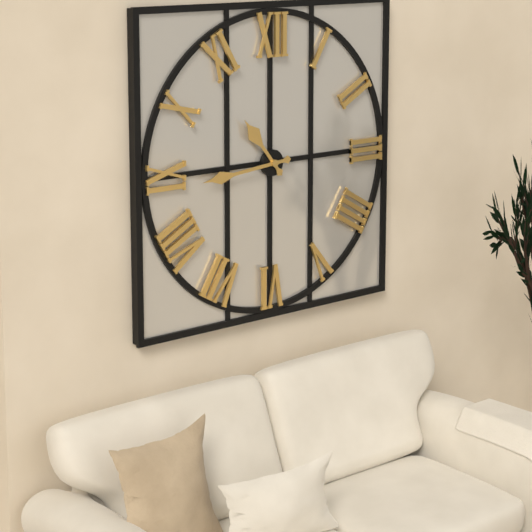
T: 10 h 44 min
